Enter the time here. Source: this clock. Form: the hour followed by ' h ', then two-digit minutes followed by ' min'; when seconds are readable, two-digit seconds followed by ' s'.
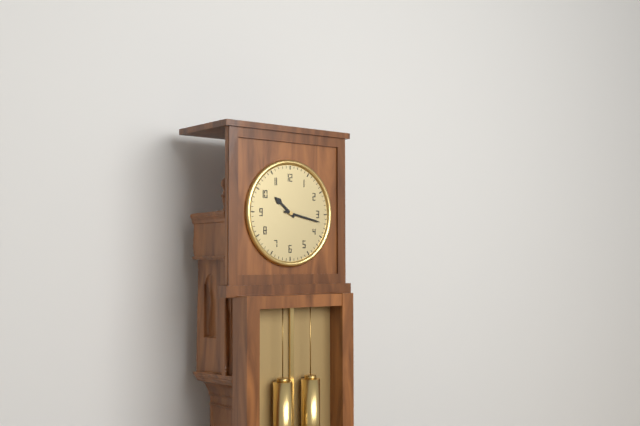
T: 10 h 17 min
